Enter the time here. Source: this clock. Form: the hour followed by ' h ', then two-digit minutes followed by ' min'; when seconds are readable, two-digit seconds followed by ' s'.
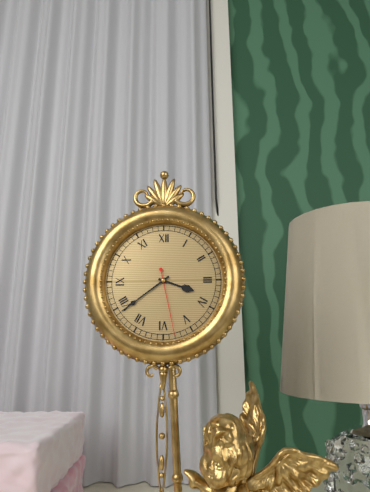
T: 3 h 39 min 28 s
